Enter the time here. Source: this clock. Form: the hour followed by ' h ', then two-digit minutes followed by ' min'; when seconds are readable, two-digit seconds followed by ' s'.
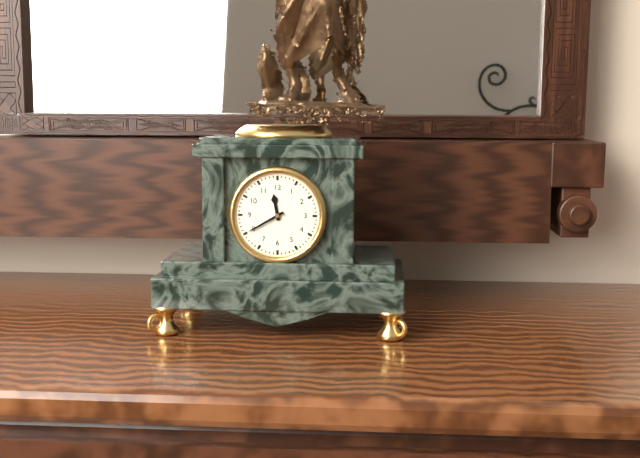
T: 11 h 40 min
